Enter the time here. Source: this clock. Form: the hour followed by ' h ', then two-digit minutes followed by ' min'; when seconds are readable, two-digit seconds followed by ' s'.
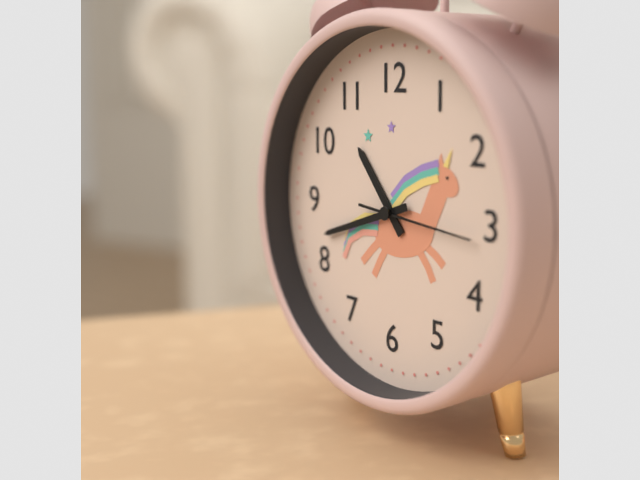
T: 10 h 42 min 16 s
